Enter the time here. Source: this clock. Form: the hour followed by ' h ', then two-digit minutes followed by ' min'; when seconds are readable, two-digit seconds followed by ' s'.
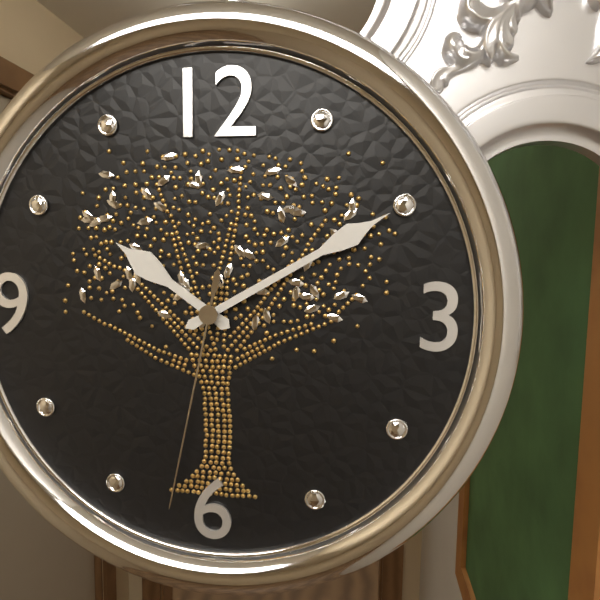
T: 10 h 10 min 32 s
